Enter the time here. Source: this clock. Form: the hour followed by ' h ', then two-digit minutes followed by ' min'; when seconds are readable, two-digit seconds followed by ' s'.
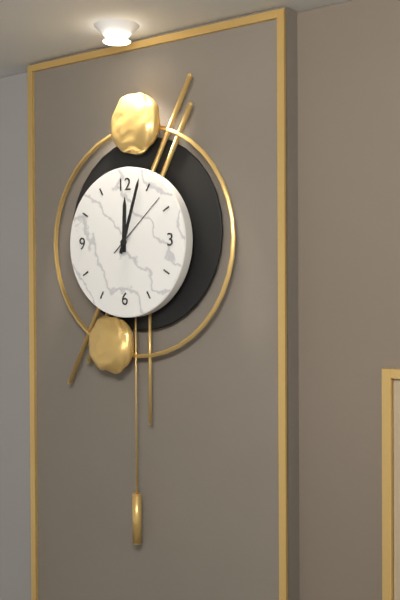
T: 12 h 03 min 08 s
